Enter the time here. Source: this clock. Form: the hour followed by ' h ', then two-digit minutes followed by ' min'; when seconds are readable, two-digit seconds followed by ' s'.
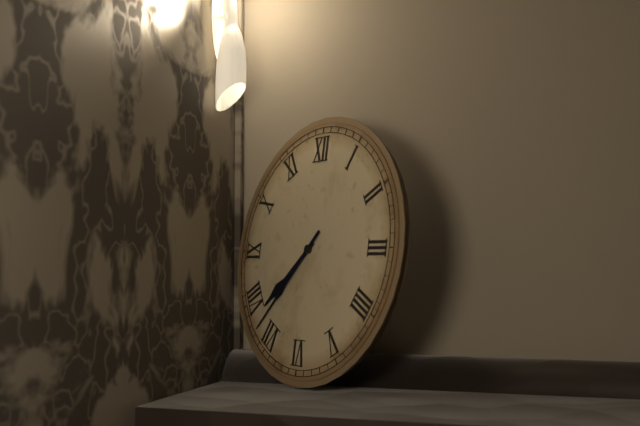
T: 7 h 37 min
